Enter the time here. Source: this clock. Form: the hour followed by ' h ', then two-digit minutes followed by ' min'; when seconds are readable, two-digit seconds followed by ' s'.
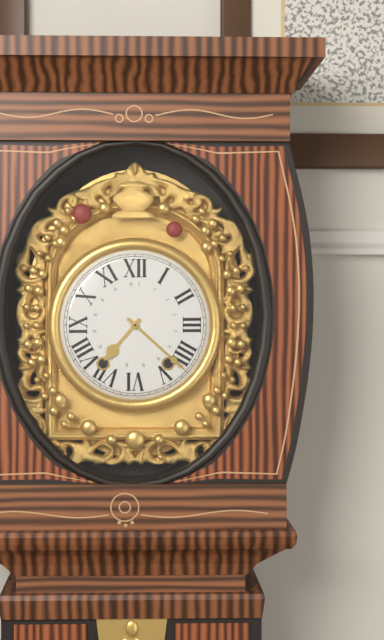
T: 7 h 22 min
